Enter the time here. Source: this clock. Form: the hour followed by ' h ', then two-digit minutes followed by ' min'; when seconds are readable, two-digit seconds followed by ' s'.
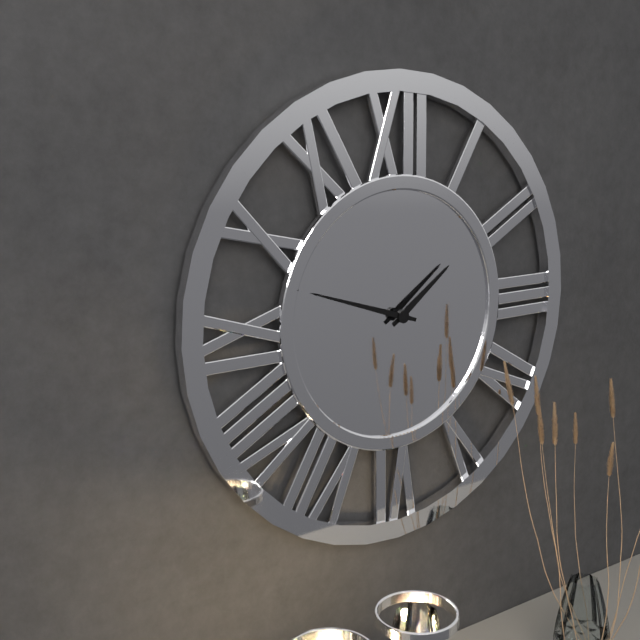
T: 1 h 48 min
